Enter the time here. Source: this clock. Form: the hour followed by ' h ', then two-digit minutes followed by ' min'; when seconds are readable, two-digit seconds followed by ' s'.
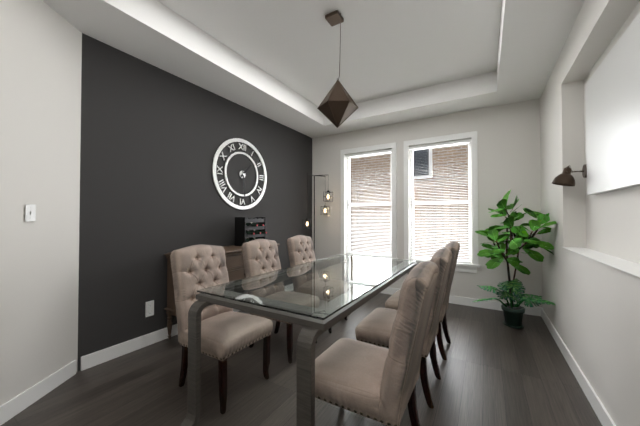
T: 1 h 29 min
